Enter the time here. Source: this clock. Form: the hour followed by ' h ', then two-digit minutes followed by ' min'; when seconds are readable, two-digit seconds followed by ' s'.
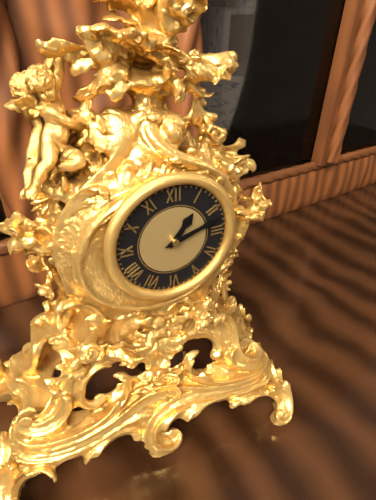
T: 1 h 12 min
